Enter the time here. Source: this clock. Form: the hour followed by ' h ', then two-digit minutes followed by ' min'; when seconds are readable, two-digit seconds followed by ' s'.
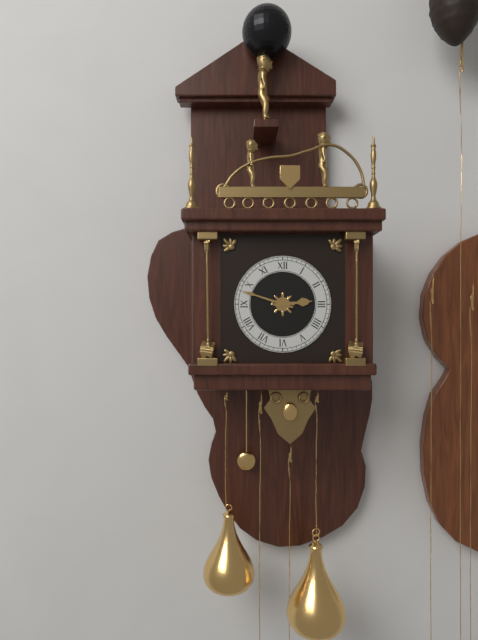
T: 2 h 48 min
